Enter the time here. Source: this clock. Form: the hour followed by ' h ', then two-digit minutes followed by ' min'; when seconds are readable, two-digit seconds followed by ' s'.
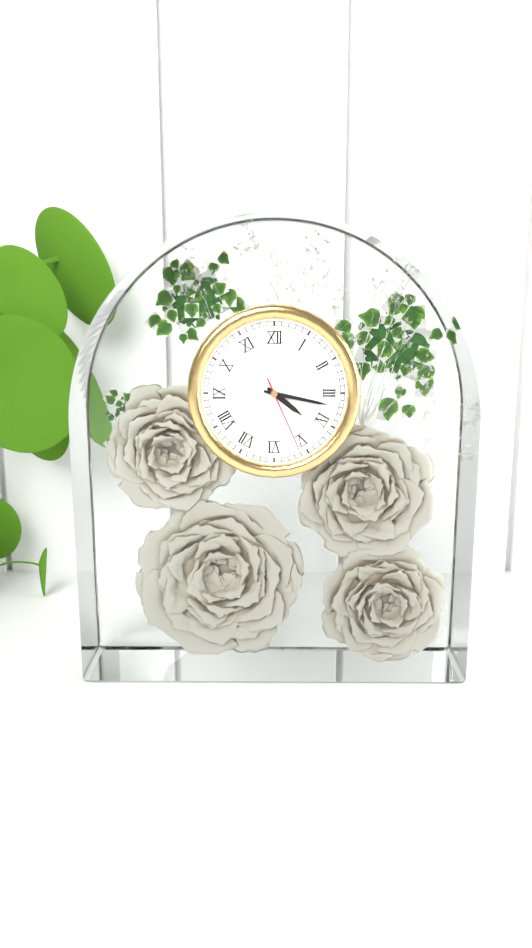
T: 4 h 17 min 26 s
